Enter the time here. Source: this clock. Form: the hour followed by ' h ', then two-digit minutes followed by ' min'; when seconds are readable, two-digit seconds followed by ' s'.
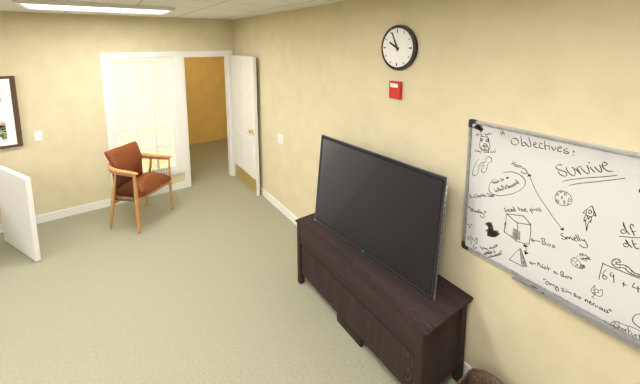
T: 9 h 56 min
